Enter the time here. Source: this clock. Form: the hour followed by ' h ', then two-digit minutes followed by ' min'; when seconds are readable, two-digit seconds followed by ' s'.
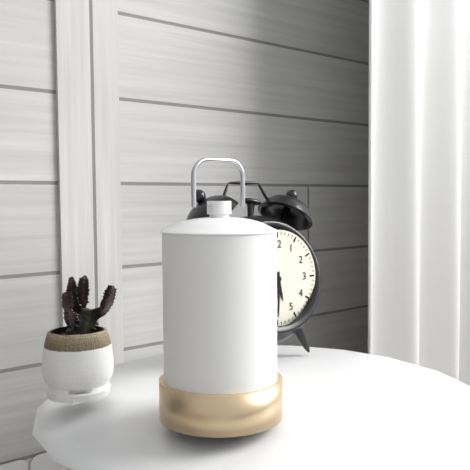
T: 5 h 30 min
